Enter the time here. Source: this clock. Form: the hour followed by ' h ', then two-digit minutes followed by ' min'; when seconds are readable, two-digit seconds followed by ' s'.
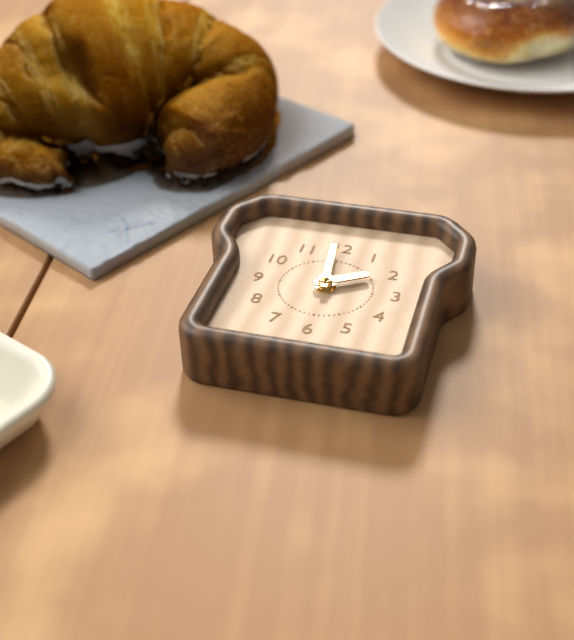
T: 1 h 59 min
